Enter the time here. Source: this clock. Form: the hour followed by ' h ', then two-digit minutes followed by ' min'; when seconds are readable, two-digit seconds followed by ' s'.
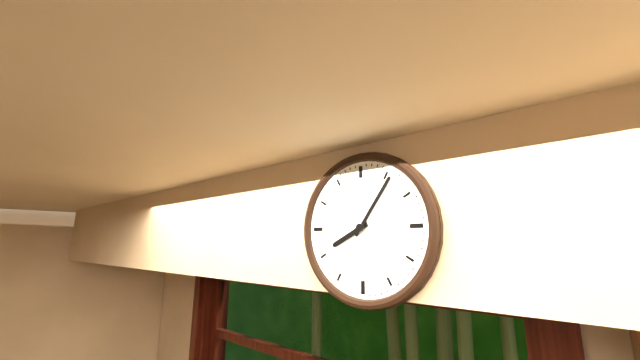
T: 8 h 06 min
